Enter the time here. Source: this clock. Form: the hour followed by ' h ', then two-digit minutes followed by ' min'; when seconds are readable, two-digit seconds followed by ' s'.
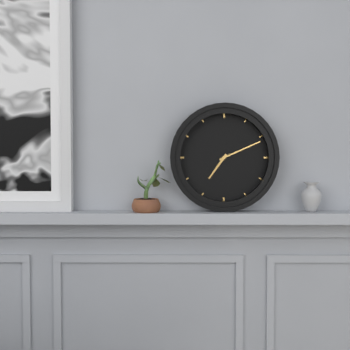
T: 7 h 11 min
